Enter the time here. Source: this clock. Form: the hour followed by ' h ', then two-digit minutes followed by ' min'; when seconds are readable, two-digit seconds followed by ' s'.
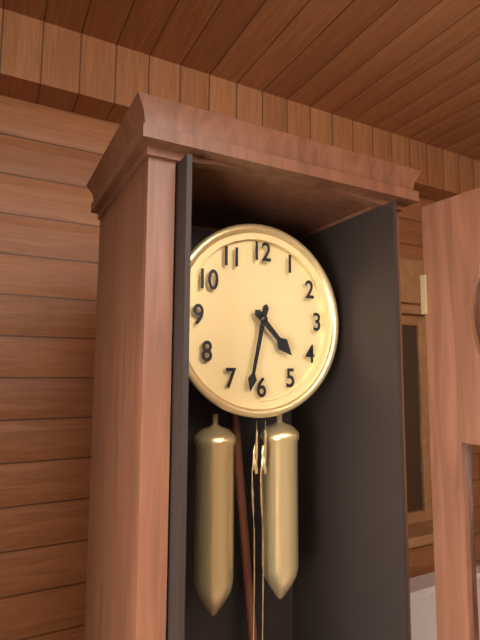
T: 4 h 32 min
